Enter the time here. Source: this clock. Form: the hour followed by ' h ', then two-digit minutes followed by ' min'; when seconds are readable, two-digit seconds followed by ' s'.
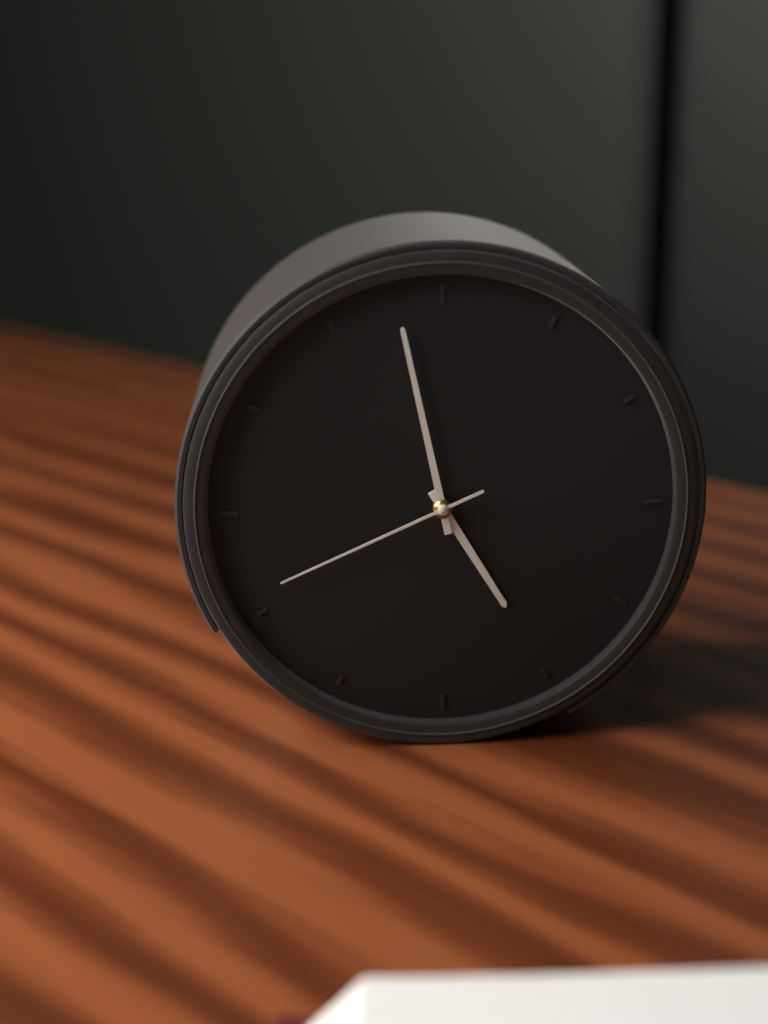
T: 4 h 58 min 41 s
